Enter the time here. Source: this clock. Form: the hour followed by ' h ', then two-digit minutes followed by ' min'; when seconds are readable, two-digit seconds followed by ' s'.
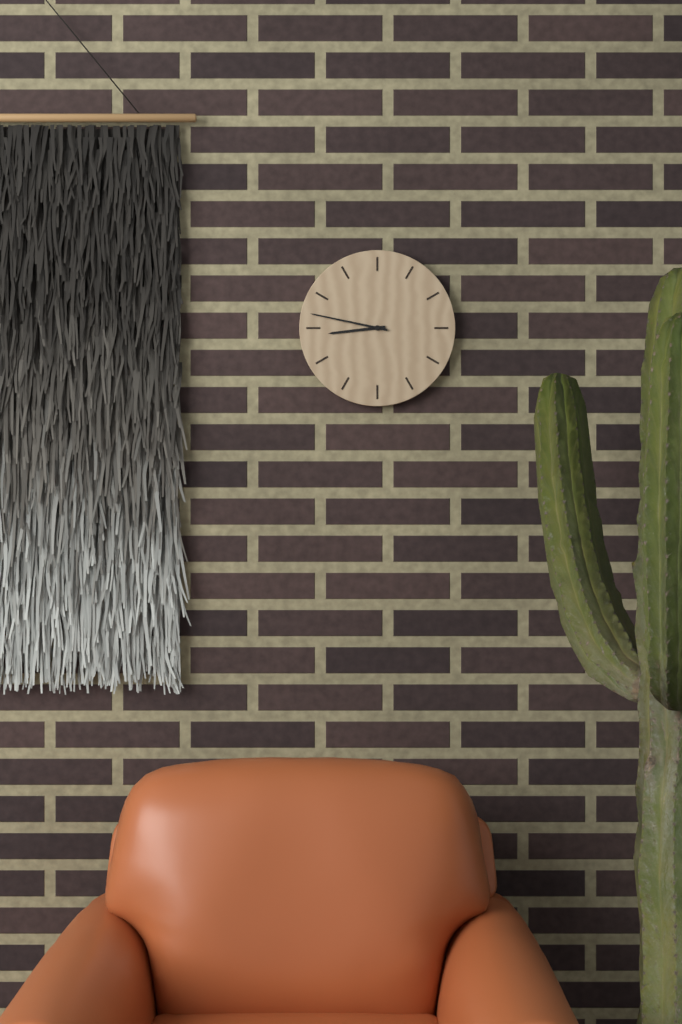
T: 8 h 47 min
